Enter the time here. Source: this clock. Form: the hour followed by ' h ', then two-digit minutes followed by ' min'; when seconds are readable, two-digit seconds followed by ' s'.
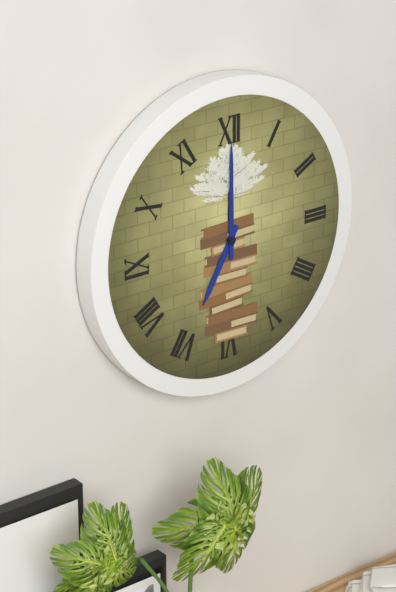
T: 7 h 00 min
